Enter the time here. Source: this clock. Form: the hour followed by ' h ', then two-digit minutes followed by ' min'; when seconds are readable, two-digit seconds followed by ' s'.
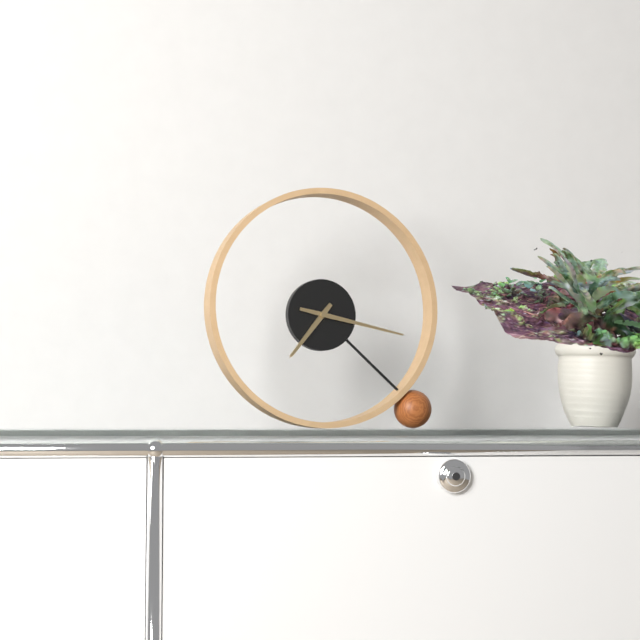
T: 7 h 17 min
